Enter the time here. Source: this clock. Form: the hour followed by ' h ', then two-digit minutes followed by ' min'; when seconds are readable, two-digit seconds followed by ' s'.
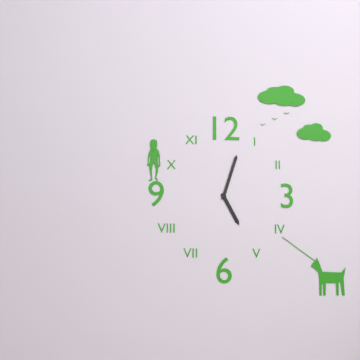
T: 5 h 03 min
